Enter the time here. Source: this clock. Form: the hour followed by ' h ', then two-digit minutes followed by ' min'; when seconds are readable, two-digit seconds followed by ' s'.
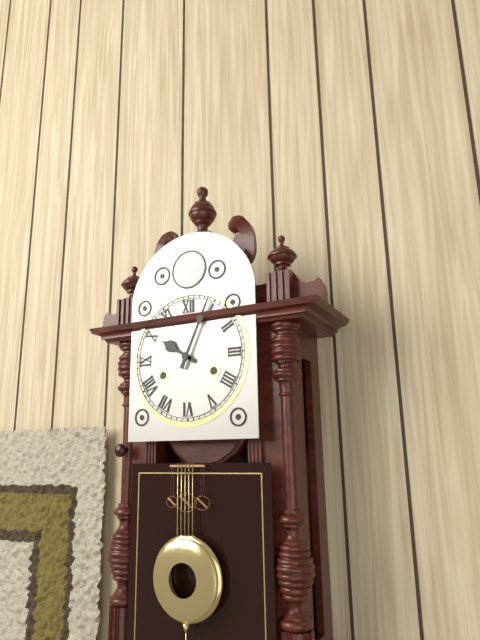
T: 10 h 04 min
